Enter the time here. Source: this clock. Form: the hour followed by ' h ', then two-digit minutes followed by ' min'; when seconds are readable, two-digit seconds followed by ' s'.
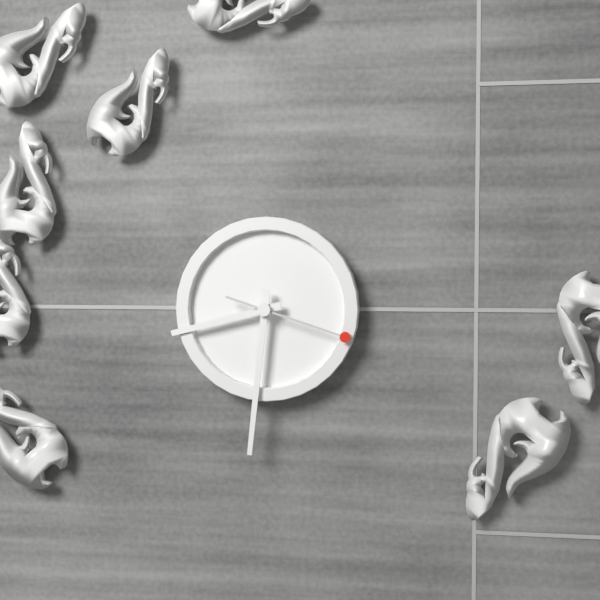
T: 8 h 31 min 18 s
